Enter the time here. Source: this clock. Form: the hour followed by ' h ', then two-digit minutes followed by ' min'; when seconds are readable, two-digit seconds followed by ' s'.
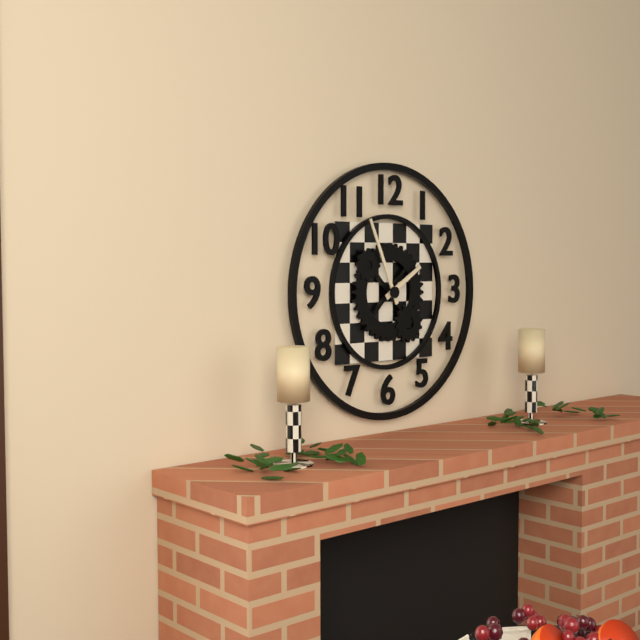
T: 1 h 56 min
